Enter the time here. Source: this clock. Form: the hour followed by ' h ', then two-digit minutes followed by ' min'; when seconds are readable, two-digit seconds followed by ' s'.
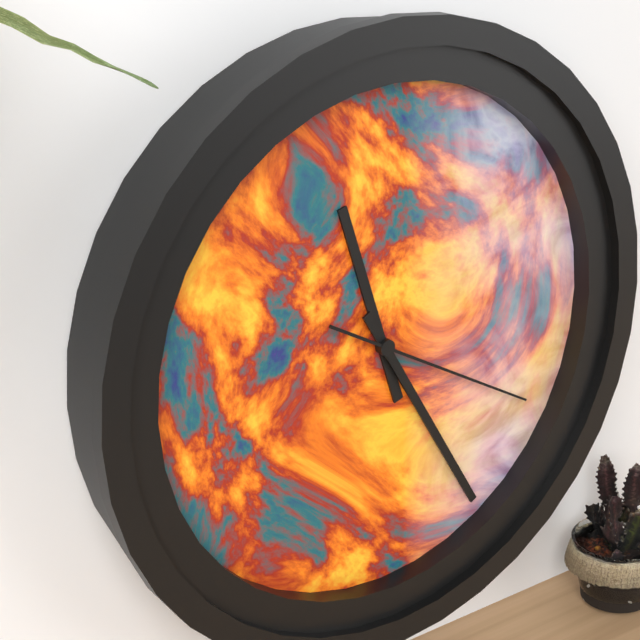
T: 11 h 25 min 20 s
